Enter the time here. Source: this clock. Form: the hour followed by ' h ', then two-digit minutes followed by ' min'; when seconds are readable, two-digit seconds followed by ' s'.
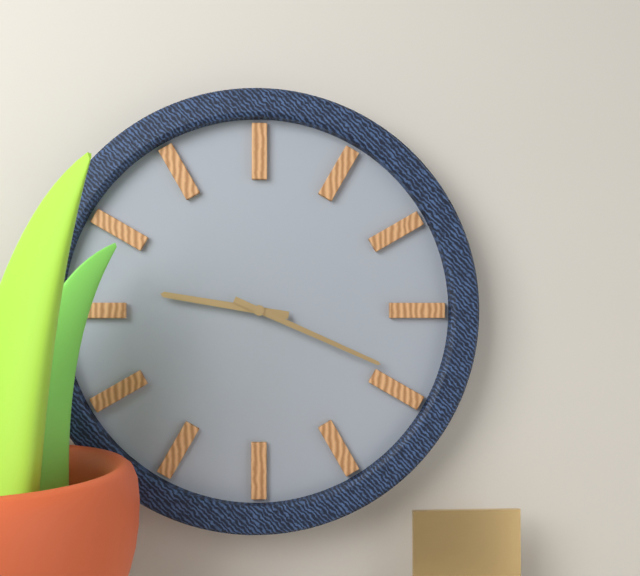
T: 9 h 19 min
